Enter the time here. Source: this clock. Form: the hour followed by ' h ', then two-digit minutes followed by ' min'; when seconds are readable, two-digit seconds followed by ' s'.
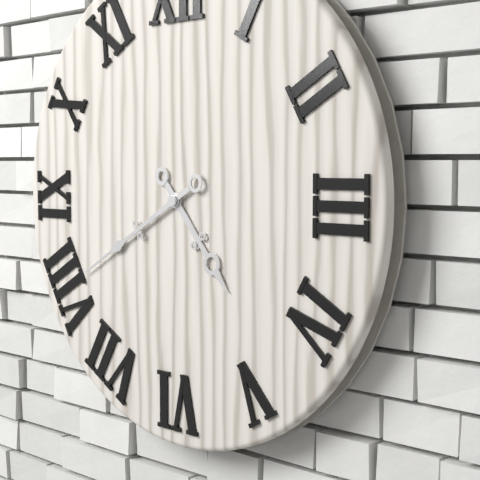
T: 4 h 40 min
